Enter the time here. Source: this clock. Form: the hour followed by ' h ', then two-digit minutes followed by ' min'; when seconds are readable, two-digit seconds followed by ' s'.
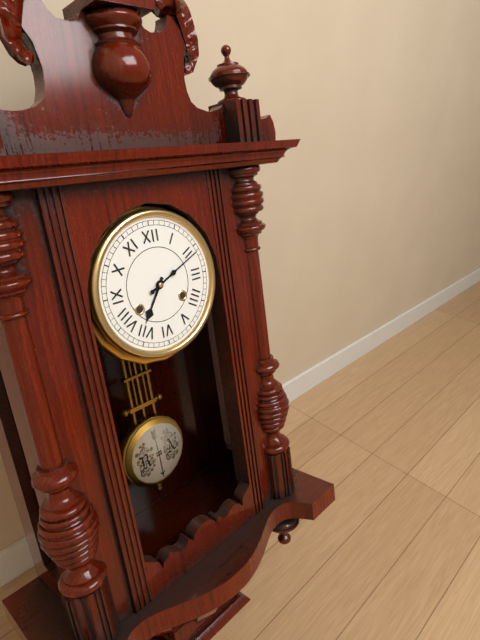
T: 7 h 11 min
